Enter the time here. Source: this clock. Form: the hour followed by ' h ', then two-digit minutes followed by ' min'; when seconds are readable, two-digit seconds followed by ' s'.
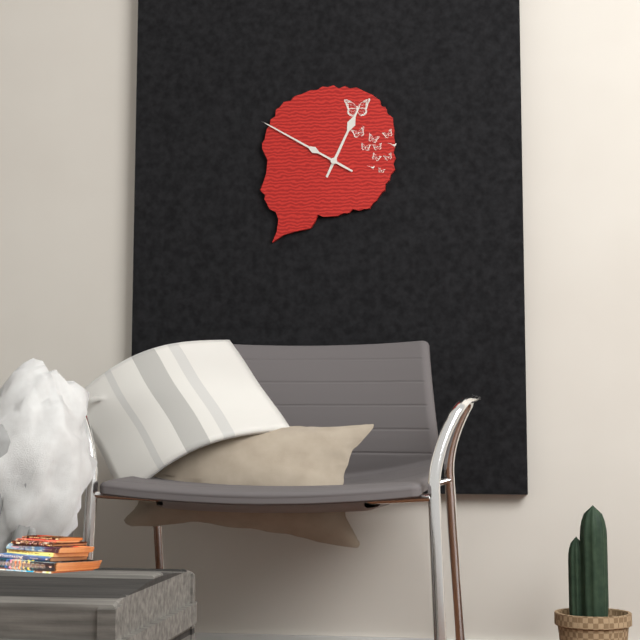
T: 12 h 50 min
